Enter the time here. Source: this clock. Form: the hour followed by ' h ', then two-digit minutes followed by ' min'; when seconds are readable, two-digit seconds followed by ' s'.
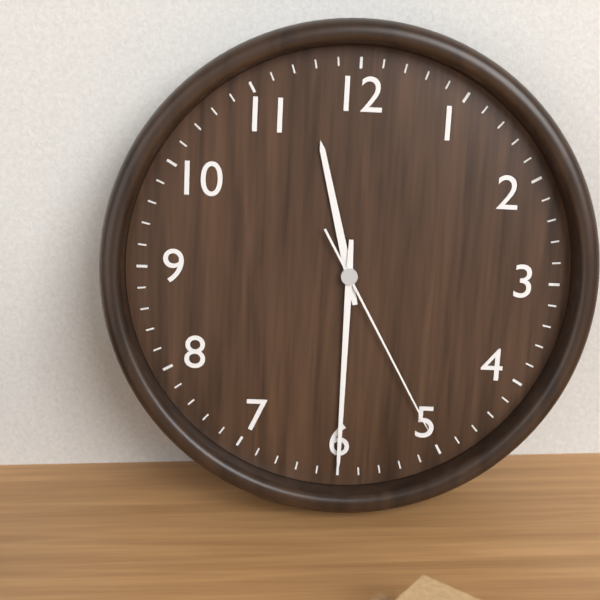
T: 11 h 30 min 25 s
